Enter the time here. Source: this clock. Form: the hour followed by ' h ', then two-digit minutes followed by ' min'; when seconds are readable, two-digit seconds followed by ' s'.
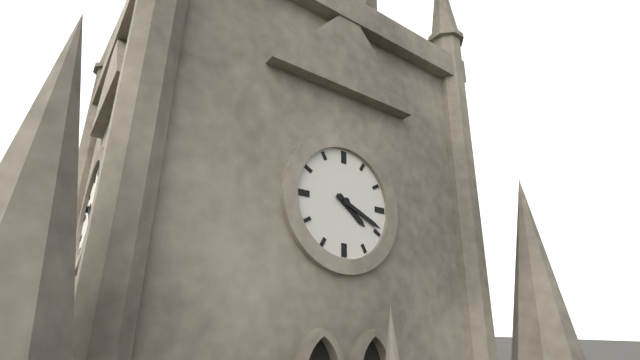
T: 4 h 19 min
